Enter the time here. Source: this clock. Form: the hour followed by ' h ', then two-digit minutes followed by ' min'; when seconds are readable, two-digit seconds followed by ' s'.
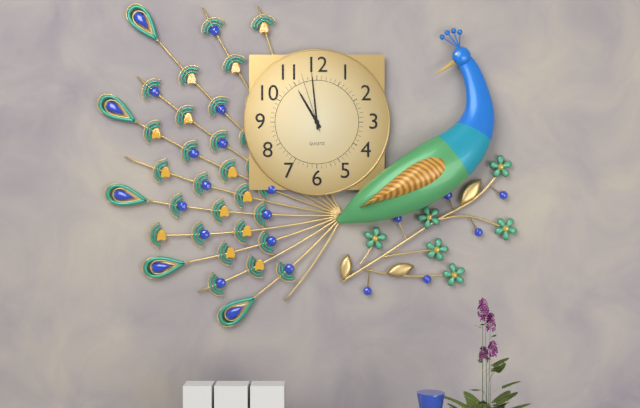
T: 10 h 59 min 57 s
